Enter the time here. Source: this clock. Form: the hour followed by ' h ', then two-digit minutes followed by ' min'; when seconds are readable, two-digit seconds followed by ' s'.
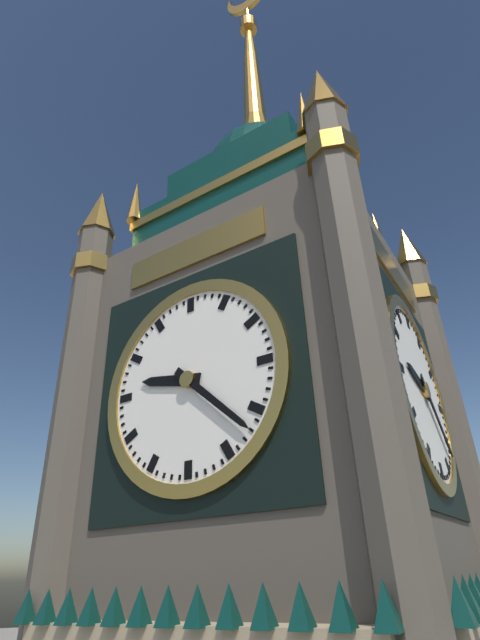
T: 9 h 22 min
